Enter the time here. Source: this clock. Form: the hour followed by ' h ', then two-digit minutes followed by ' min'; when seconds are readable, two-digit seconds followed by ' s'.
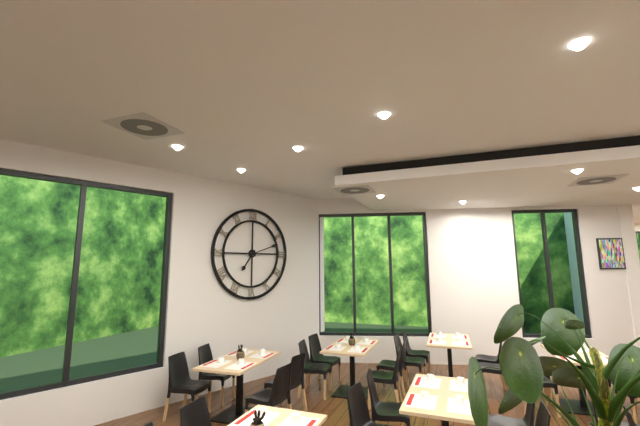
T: 7 h 12 min
